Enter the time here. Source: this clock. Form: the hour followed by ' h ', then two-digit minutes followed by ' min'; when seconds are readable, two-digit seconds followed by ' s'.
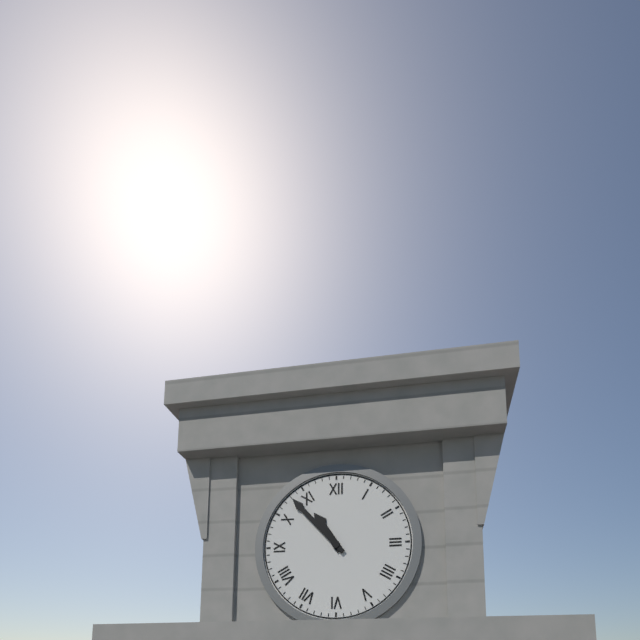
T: 10 h 53 min
